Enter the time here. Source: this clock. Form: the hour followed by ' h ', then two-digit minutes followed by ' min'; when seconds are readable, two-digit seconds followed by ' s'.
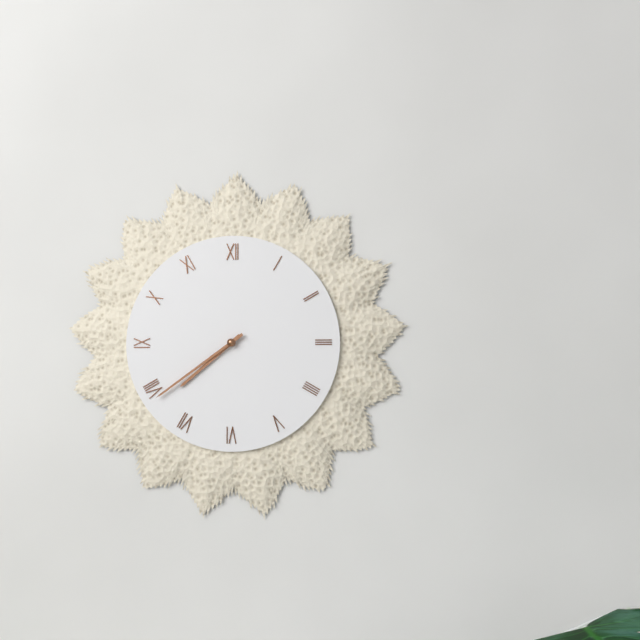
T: 7 h 39 min
